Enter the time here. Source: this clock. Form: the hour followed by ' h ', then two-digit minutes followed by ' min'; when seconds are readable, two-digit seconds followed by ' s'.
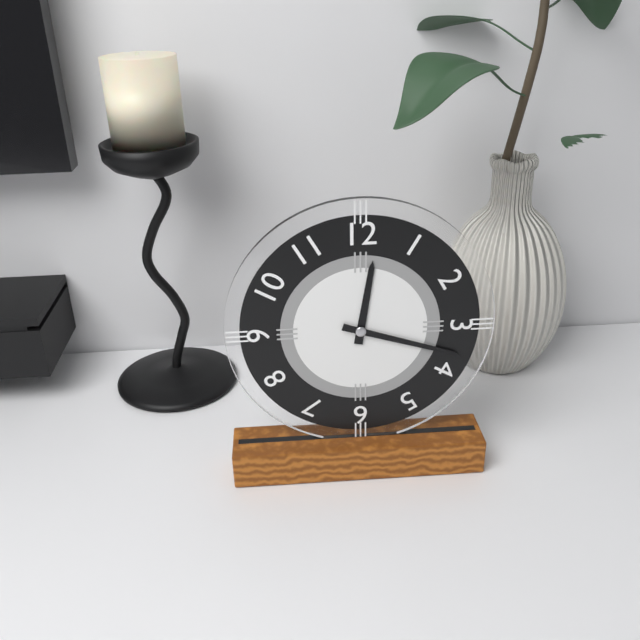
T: 12 h 18 min
